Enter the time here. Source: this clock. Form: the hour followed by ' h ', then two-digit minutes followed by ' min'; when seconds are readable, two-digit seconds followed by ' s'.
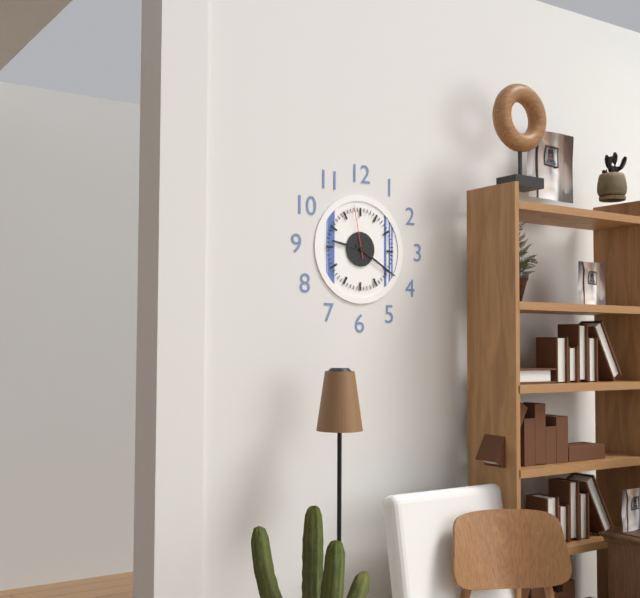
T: 9 h 20 min 58 s
